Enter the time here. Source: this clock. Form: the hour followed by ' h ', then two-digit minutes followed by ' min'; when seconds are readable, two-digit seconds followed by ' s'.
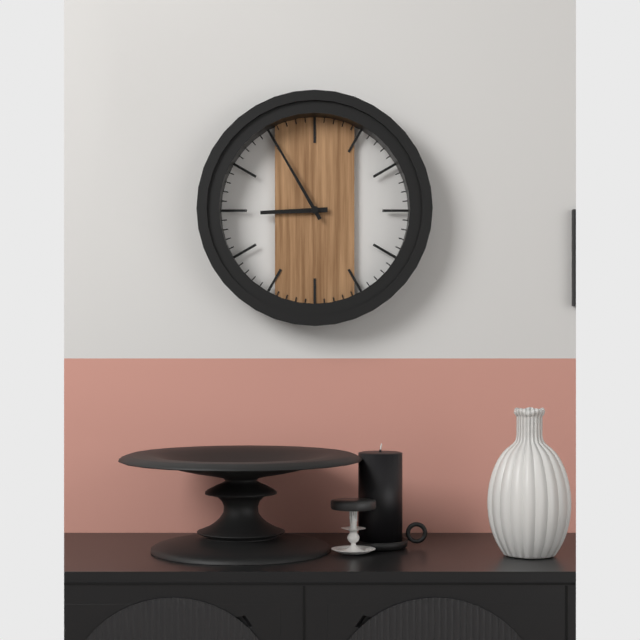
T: 8 h 55 min
